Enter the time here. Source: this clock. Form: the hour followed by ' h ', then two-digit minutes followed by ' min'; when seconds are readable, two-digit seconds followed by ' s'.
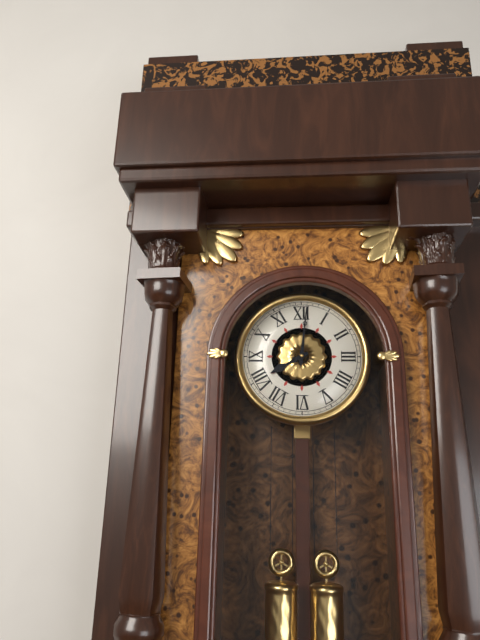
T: 8 h 01 min
